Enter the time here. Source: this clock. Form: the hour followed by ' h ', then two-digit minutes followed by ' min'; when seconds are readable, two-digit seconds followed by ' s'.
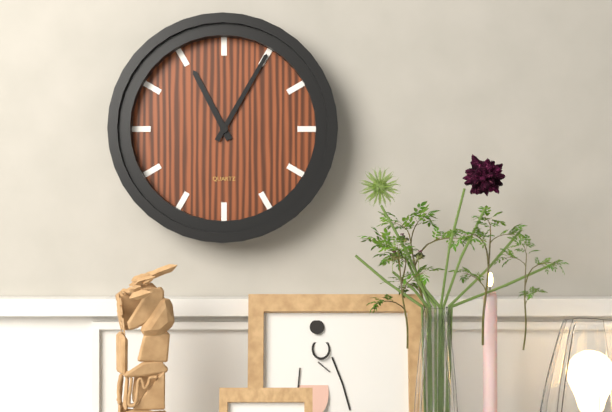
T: 11 h 05 min
